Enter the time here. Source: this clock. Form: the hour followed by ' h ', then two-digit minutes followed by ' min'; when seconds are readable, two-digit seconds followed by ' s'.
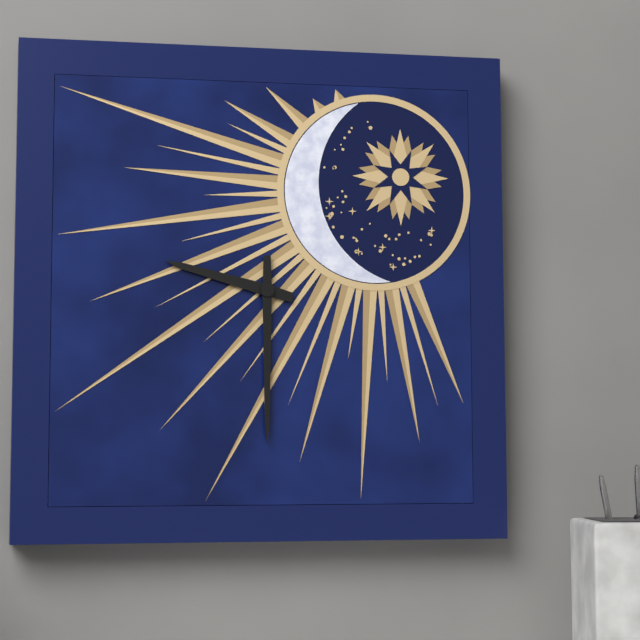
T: 9 h 30 min
